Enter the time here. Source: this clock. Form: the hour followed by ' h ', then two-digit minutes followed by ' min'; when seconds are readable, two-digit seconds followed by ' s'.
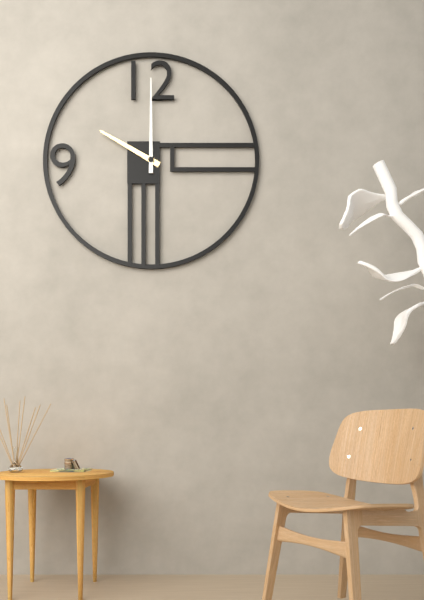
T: 10 h 00 min
